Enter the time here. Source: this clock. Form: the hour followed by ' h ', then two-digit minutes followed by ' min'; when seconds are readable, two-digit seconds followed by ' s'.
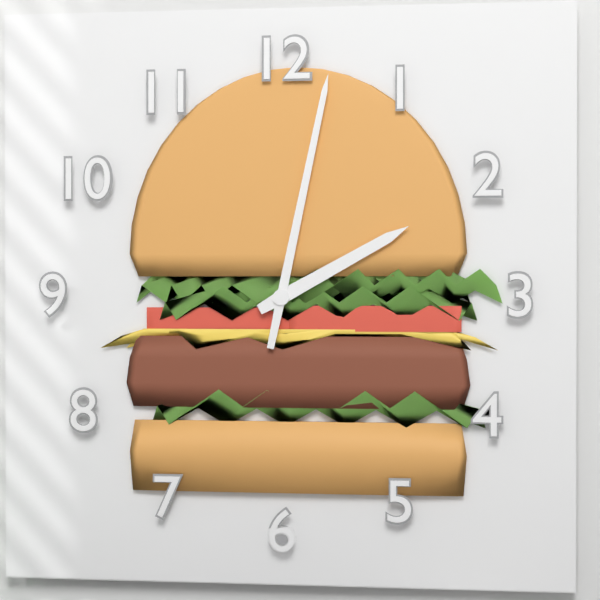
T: 2 h 02 min
